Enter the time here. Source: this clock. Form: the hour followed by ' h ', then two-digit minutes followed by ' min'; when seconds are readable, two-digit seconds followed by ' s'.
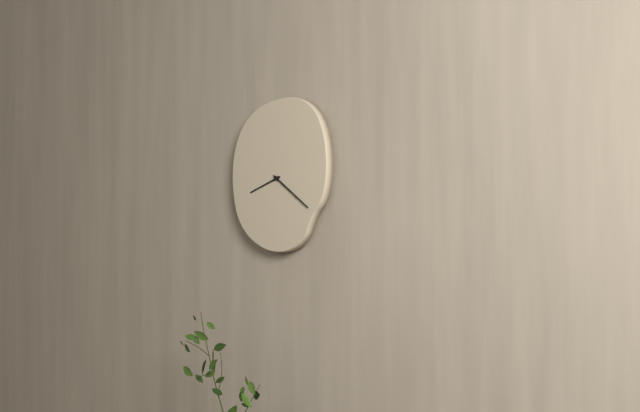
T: 8 h 21 min
